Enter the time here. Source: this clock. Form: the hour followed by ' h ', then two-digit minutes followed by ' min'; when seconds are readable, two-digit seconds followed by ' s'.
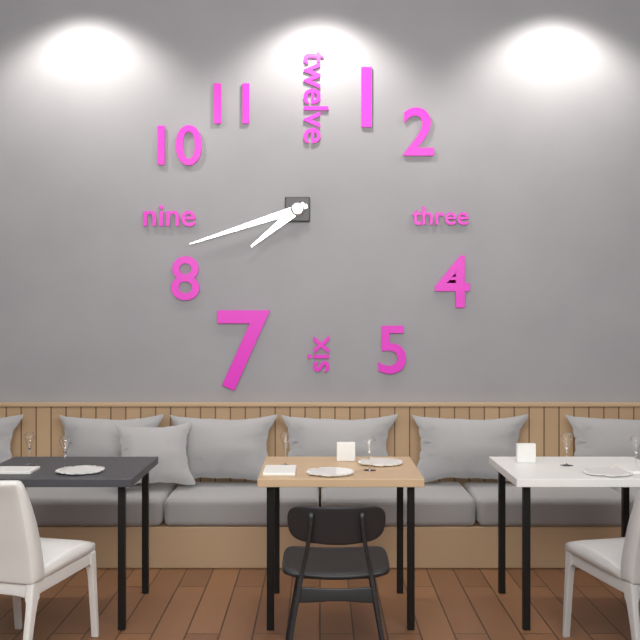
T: 7 h 42 min
